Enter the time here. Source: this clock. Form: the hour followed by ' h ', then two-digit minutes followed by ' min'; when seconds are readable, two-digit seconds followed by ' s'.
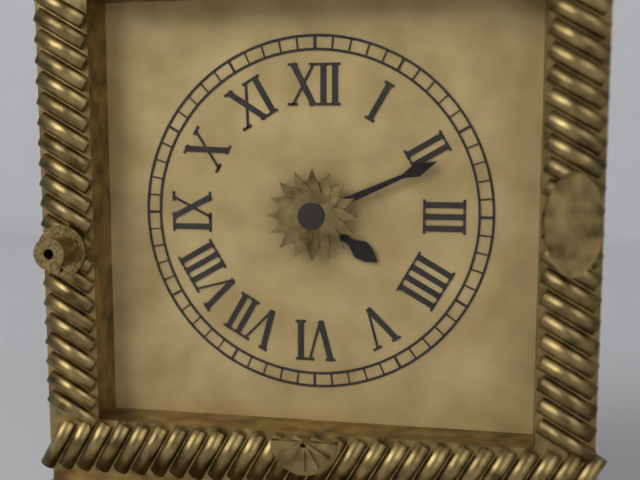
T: 4 h 11 min
